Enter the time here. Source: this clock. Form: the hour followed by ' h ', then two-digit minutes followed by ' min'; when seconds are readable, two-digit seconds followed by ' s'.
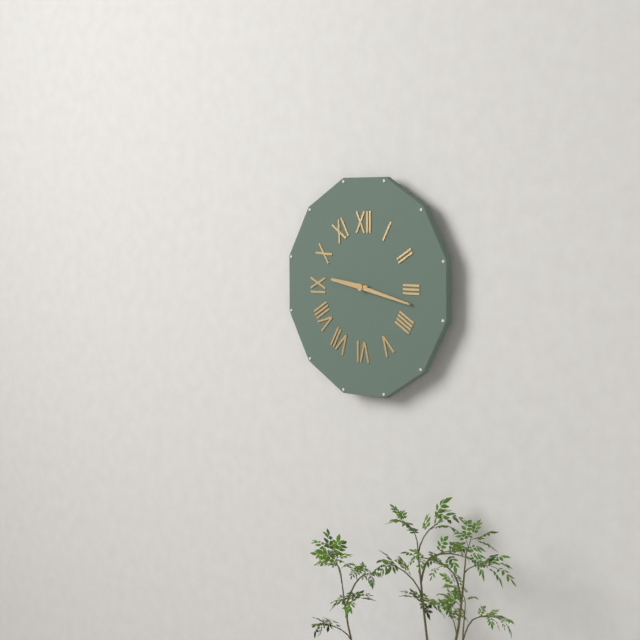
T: 9 h 17 min
